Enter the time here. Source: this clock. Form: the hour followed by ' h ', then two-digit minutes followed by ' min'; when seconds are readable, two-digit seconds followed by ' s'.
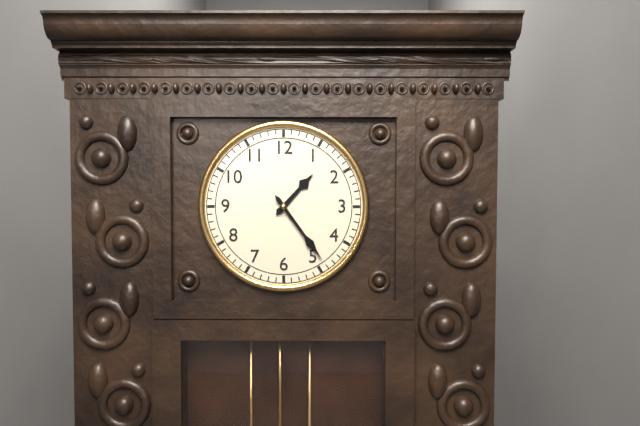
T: 1 h 24 min
